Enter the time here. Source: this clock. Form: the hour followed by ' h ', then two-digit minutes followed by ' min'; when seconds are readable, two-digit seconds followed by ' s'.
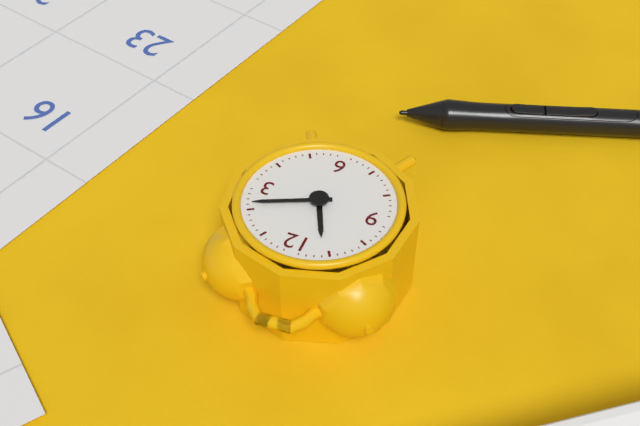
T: 11 h 11 min
